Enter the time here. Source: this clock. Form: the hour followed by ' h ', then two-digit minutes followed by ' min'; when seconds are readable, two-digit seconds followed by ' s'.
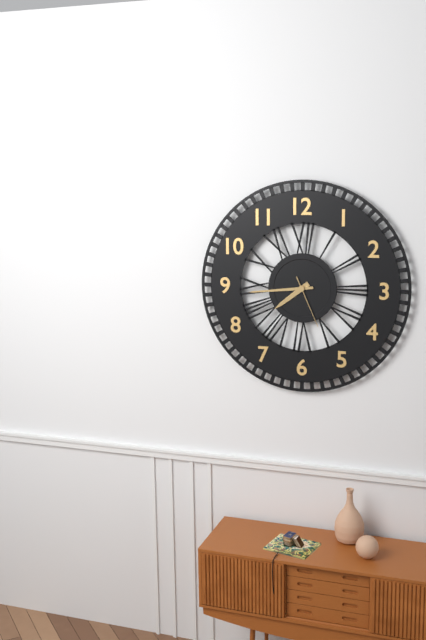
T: 7 h 44 min 26 s
